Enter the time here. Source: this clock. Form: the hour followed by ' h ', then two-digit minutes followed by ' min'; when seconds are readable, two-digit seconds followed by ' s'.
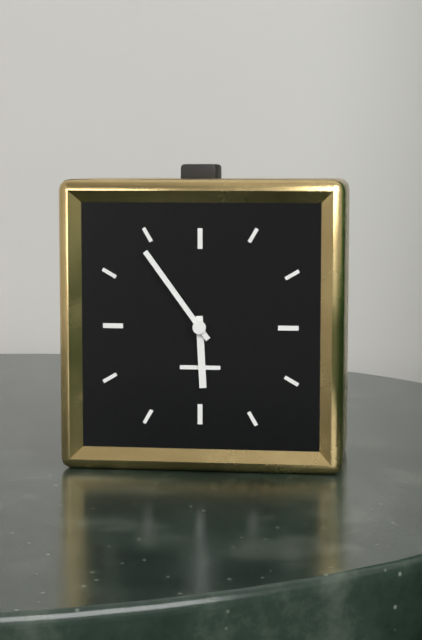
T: 5 h 54 min
